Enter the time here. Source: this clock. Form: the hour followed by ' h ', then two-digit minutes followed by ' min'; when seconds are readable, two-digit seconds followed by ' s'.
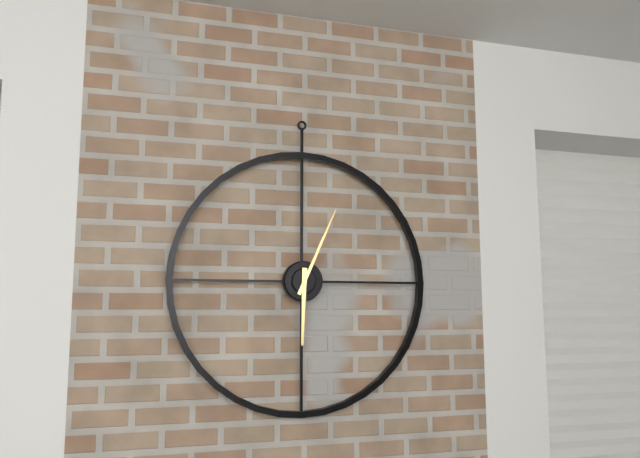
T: 6 h 04 min
